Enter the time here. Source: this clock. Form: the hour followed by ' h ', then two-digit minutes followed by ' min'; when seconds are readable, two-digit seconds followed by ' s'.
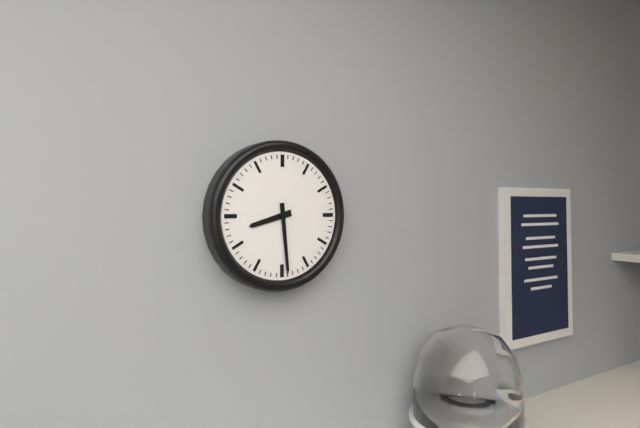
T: 8 h 29 min
